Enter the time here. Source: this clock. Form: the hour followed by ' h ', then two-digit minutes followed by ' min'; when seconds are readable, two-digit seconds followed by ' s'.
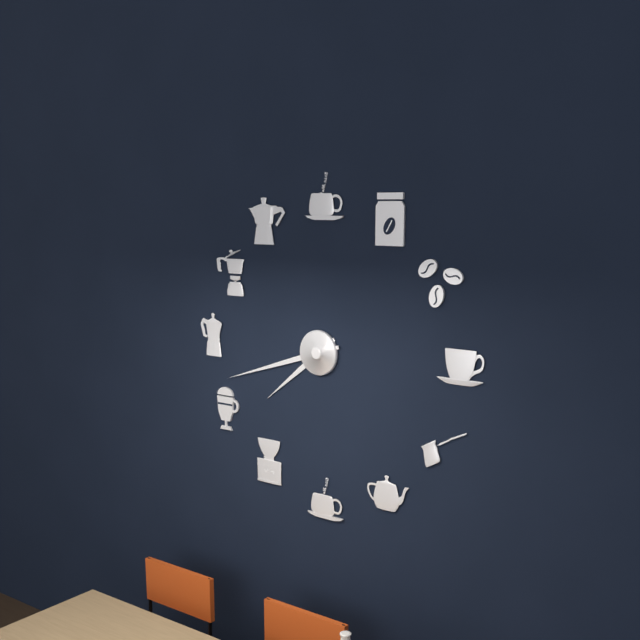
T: 7 h 42 min
